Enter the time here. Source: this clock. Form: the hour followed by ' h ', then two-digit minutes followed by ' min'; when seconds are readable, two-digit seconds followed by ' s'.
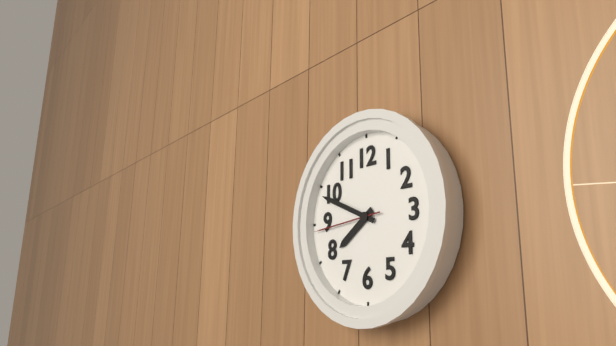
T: 7 h 49 min 44 s
